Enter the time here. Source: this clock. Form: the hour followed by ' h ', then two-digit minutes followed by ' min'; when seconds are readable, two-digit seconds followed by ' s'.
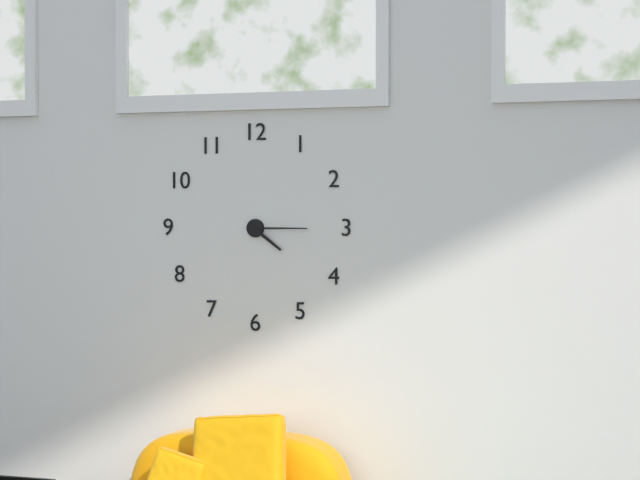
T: 4 h 15 min
